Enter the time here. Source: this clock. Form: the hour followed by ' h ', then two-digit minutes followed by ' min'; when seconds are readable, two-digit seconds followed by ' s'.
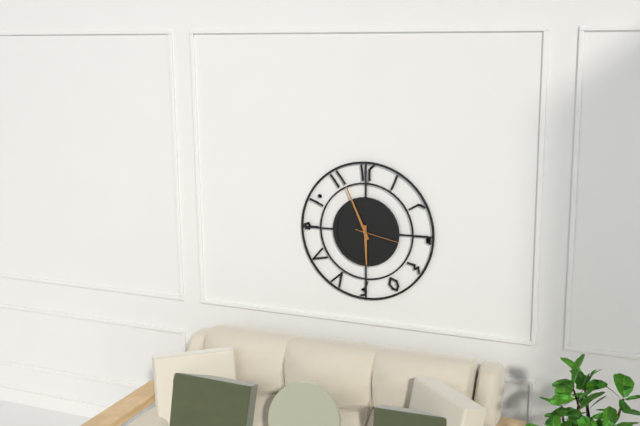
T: 5 h 56 min
